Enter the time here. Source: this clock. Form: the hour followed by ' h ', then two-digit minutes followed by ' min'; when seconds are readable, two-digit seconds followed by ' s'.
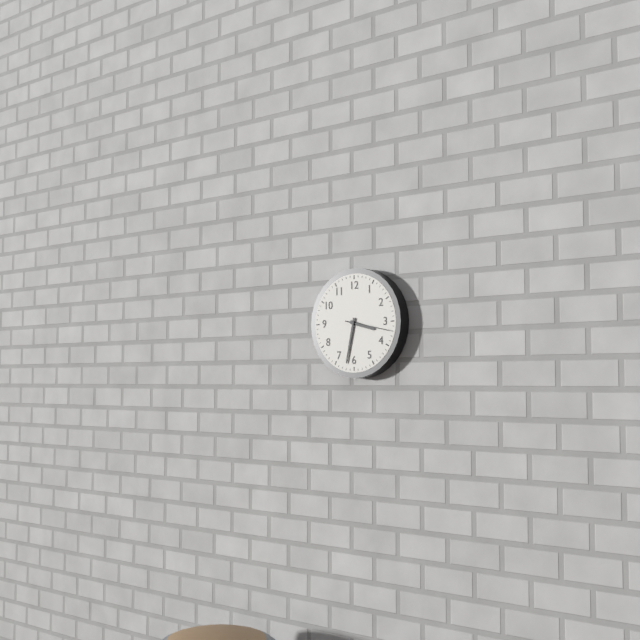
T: 3 h 32 min
